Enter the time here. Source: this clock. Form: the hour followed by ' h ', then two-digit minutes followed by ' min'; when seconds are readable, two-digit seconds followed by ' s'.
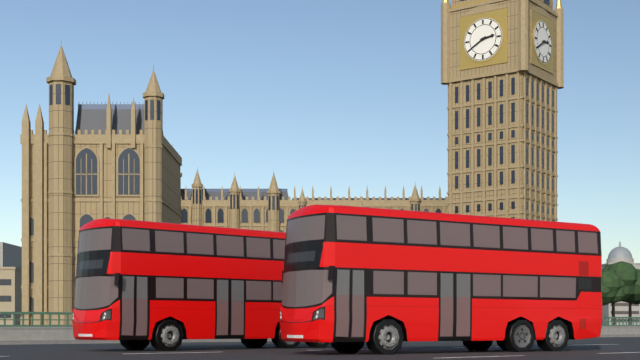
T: 2 h 40 min
